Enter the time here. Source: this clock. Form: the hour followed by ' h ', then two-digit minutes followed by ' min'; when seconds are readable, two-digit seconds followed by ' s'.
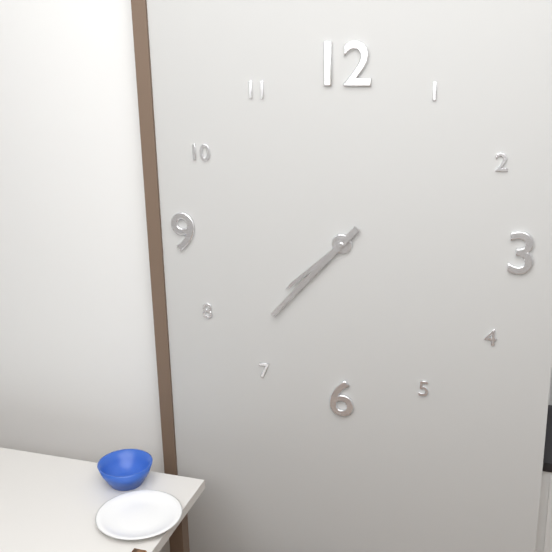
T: 7 h 37 min
